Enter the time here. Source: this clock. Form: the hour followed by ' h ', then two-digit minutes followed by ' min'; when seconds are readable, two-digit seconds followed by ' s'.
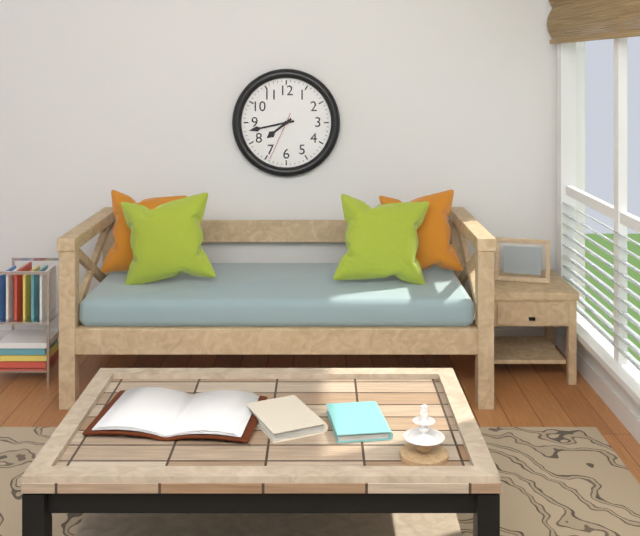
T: 7 h 43 min 34 s
